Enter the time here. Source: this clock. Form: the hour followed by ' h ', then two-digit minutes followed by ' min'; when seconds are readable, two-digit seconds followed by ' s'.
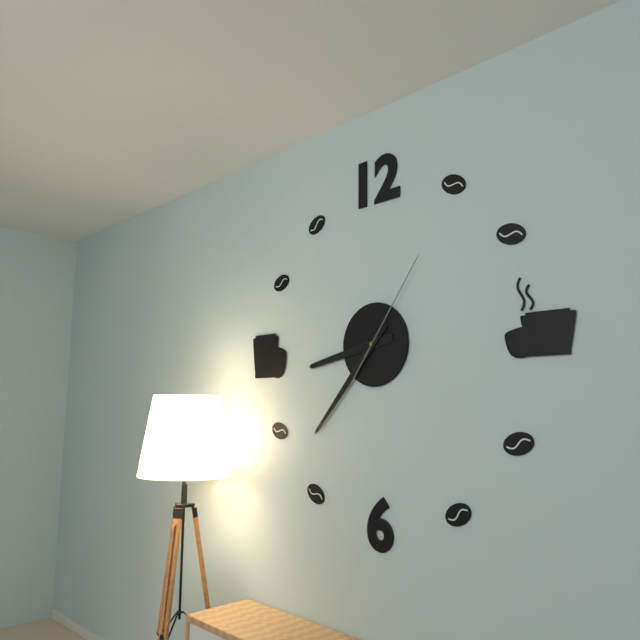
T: 8 h 37 min 06 s
